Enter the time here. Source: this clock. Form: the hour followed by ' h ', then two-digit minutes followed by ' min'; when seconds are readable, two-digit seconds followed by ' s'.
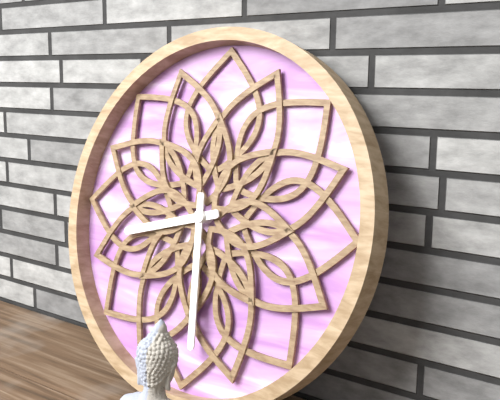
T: 8 h 29 min
